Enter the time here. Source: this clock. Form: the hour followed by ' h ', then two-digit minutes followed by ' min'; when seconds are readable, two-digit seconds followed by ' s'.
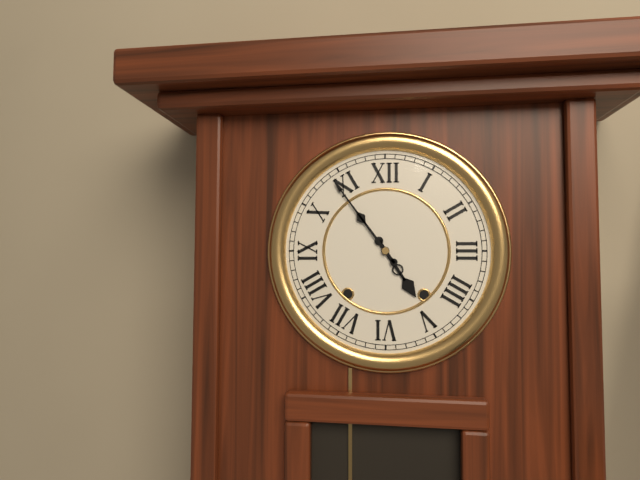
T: 4 h 54 min
